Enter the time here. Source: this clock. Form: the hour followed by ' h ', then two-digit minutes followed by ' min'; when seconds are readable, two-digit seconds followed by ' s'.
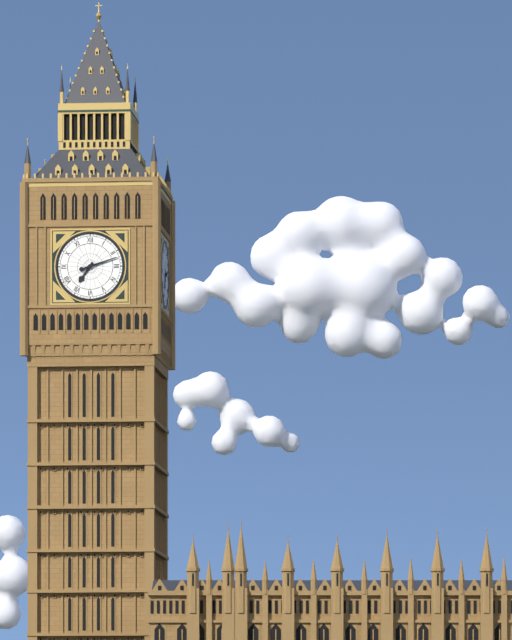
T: 7 h 12 min
